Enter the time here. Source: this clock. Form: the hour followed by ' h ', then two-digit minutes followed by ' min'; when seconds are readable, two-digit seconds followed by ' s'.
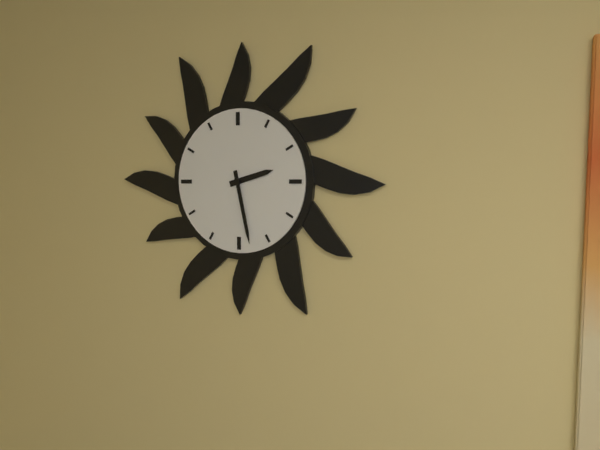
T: 2 h 28 min
